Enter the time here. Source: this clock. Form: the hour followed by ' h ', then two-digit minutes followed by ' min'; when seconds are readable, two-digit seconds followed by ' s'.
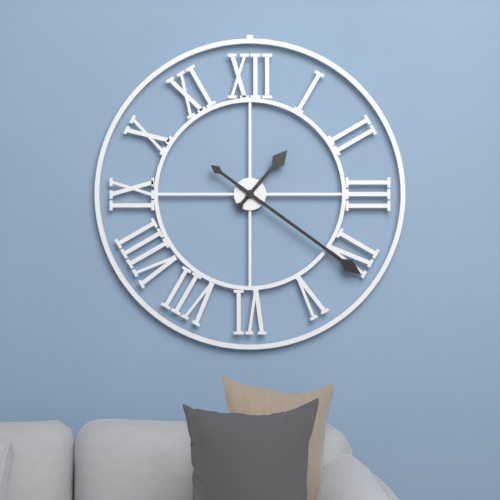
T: 1 h 21 min
